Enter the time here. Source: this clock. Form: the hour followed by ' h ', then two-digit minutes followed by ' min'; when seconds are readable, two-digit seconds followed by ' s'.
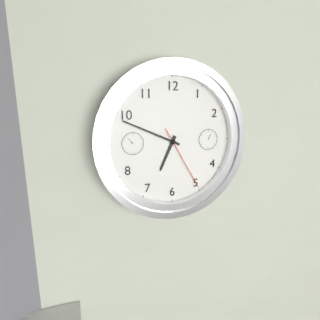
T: 6 h 49 min 25 s
